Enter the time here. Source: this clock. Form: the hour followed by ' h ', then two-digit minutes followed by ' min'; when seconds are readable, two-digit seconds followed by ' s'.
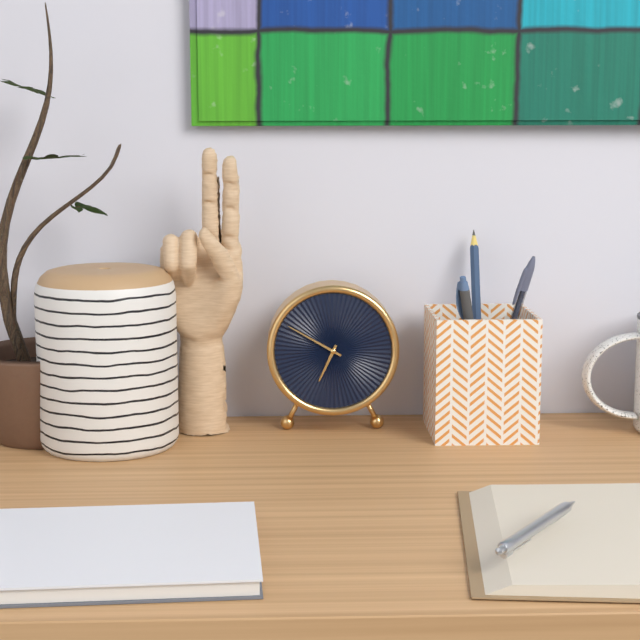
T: 6 h 50 min
